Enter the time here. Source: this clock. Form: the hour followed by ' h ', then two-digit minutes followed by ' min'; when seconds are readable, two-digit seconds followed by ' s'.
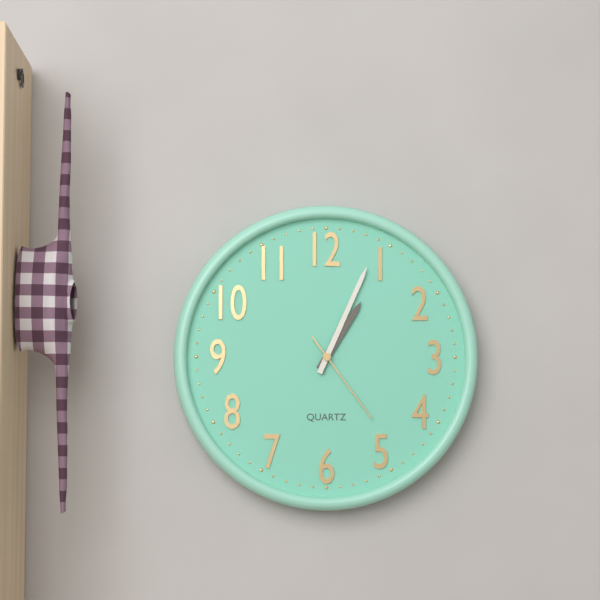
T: 1 h 04 min 24 s
